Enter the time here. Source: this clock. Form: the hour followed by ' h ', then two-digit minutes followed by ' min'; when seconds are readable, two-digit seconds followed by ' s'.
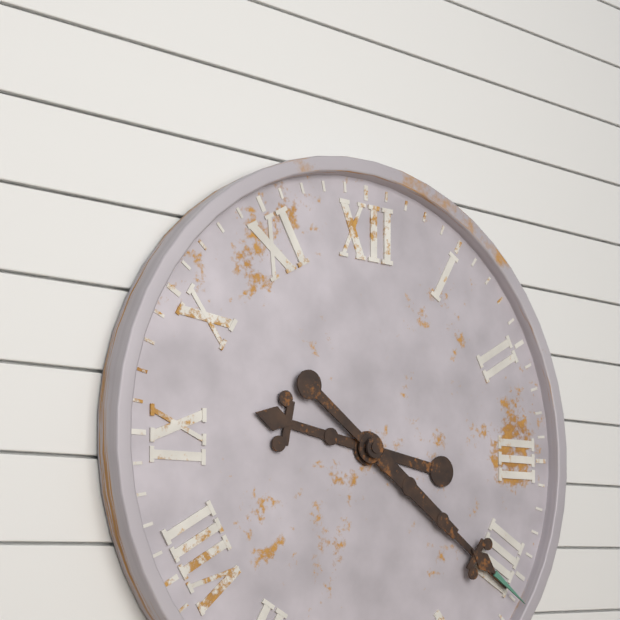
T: 9 h 21 min
